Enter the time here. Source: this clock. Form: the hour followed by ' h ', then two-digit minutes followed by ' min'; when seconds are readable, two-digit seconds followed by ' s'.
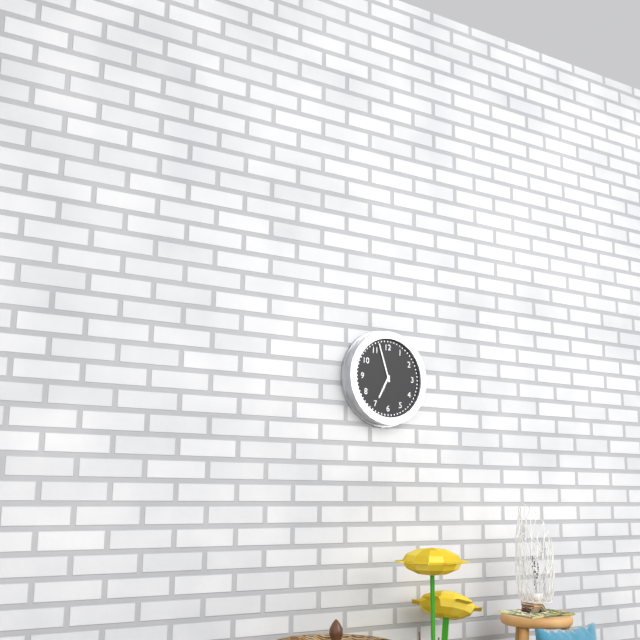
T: 6 h 57 min
